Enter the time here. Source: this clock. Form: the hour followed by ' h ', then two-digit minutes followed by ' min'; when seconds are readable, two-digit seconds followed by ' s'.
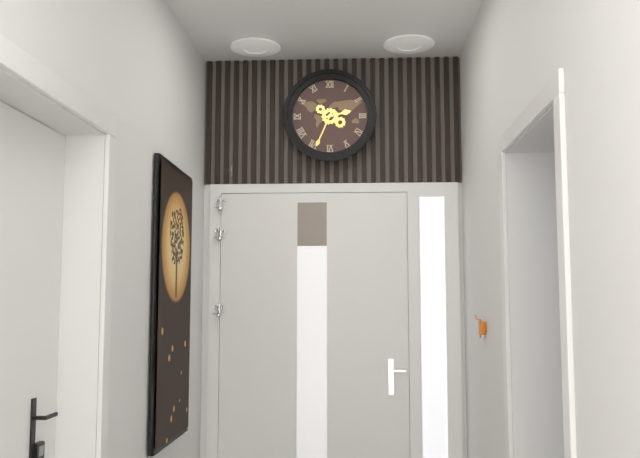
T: 2 h 34 min
